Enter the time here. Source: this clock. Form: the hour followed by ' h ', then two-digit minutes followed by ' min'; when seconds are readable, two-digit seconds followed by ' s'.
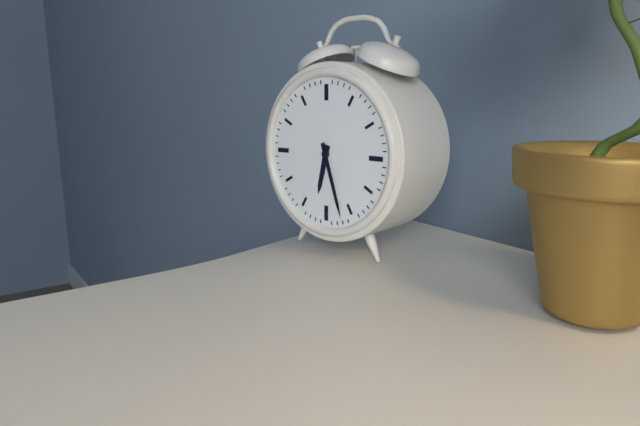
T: 6 h 27 min
